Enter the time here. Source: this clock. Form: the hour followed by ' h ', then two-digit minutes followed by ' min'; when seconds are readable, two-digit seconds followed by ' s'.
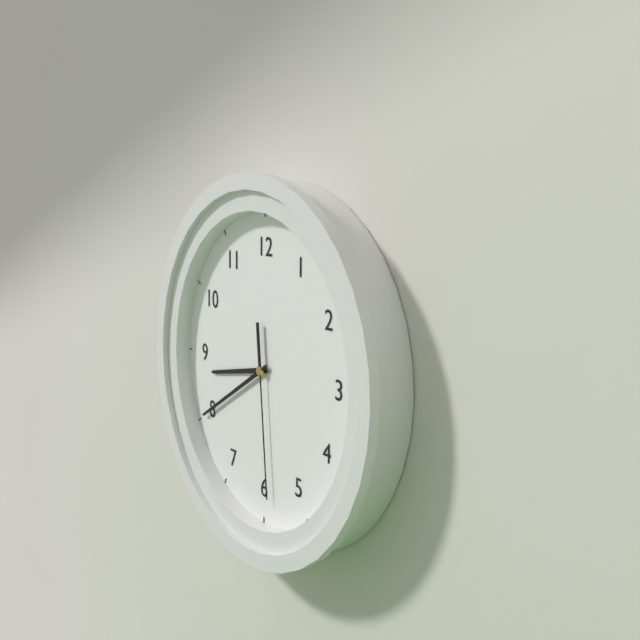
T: 8 h 40 min 29 s
